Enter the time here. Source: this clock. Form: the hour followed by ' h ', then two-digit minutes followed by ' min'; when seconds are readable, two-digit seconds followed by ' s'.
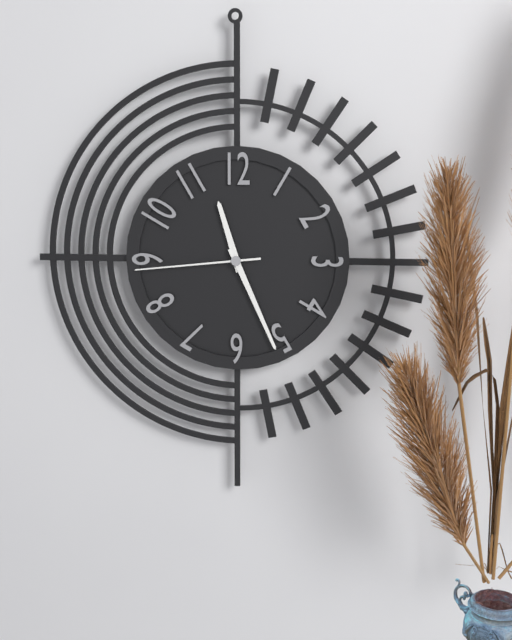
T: 11 h 26 min 44 s
